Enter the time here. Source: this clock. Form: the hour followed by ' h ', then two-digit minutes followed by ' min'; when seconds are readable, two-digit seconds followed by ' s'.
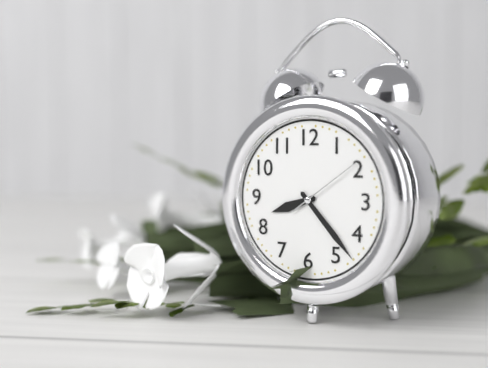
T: 8 h 23 min 09 s
